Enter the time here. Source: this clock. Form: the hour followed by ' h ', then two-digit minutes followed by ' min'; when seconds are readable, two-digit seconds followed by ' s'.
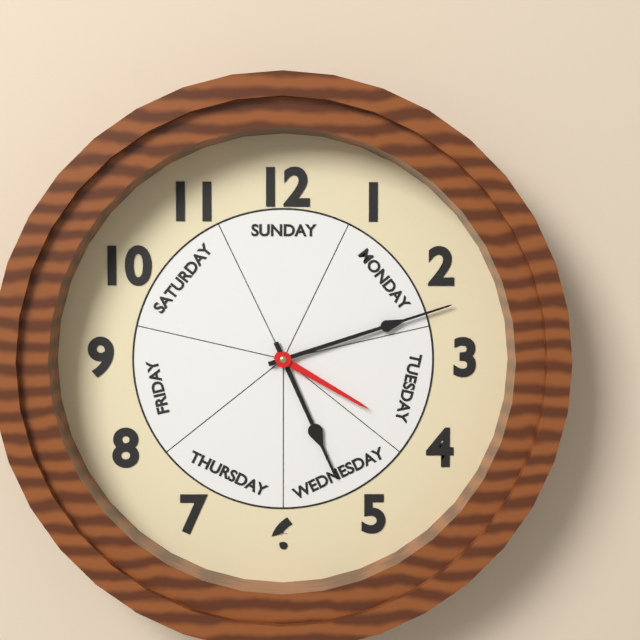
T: 5 h 12 min 20 s
